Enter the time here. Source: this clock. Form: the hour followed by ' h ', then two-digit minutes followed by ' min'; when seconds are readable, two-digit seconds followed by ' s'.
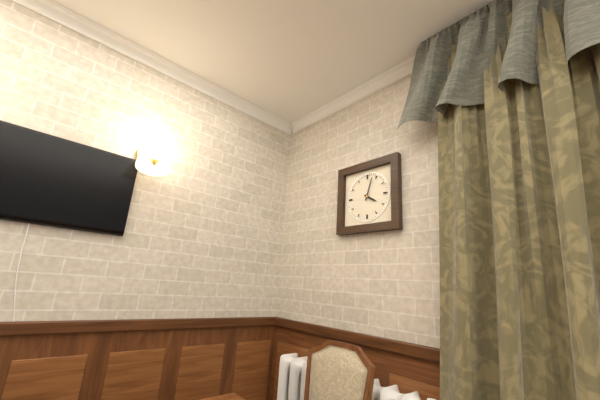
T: 4 h 03 min
